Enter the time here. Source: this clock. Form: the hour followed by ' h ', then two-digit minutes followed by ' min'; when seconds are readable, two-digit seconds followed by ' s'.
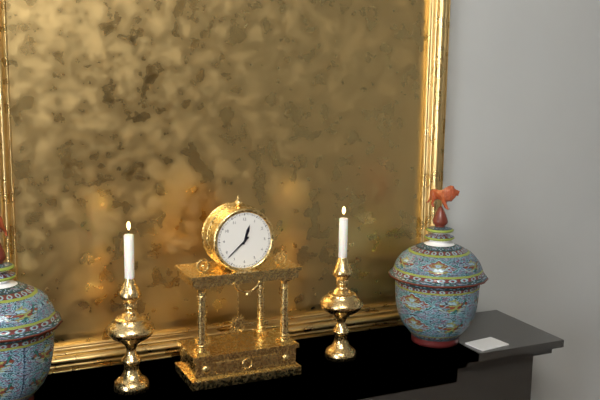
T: 12 h 38 min
